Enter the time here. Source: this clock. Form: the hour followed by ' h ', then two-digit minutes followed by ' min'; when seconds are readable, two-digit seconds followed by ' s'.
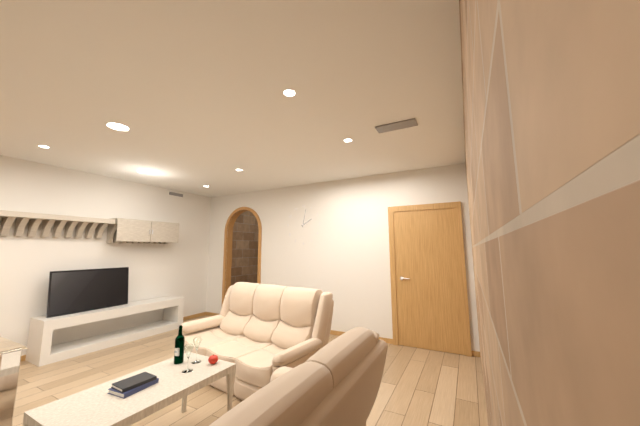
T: 2 h 02 min
